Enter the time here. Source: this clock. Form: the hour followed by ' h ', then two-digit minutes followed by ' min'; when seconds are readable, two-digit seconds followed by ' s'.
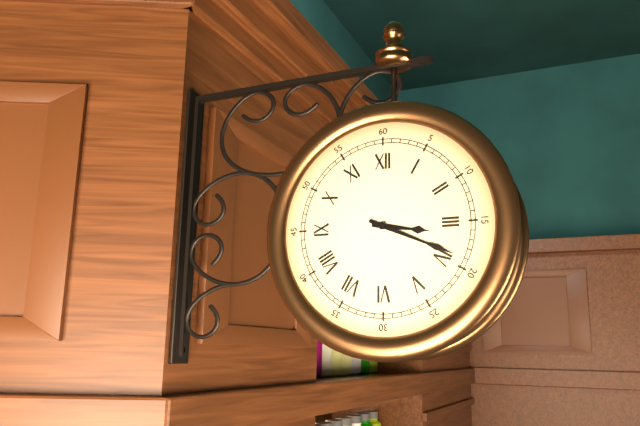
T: 3 h 19 min
